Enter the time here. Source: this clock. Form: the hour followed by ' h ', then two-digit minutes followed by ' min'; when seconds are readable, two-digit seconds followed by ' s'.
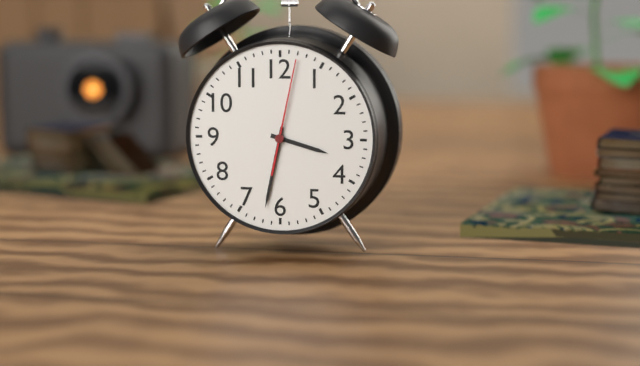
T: 3 h 32 min 02 s
